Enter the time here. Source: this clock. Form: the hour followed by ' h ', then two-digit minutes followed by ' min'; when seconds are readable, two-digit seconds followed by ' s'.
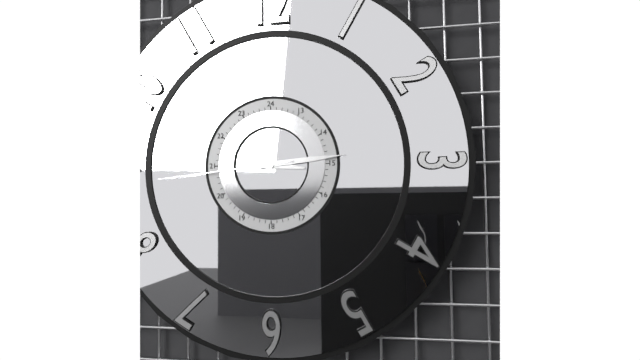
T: 3 h 14 min 44 s
